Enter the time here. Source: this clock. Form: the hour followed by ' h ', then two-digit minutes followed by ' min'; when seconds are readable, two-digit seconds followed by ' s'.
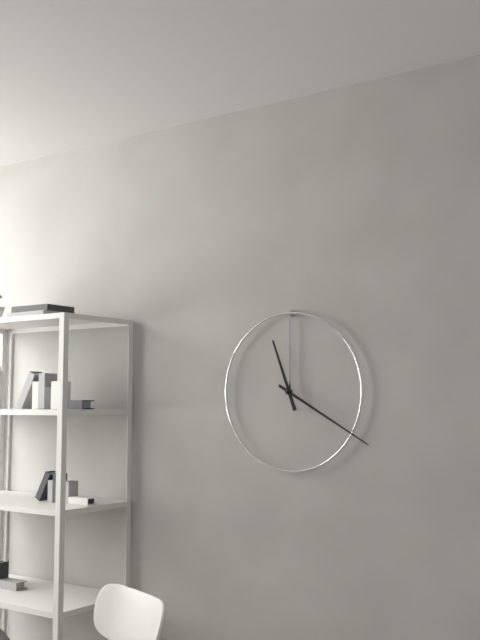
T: 11 h 20 min
